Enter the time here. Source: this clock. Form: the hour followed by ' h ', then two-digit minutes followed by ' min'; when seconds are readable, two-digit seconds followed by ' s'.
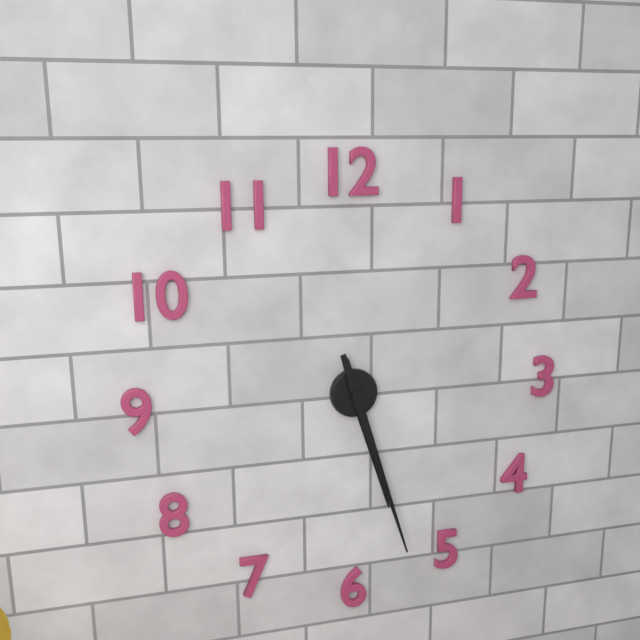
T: 5 h 27 min
